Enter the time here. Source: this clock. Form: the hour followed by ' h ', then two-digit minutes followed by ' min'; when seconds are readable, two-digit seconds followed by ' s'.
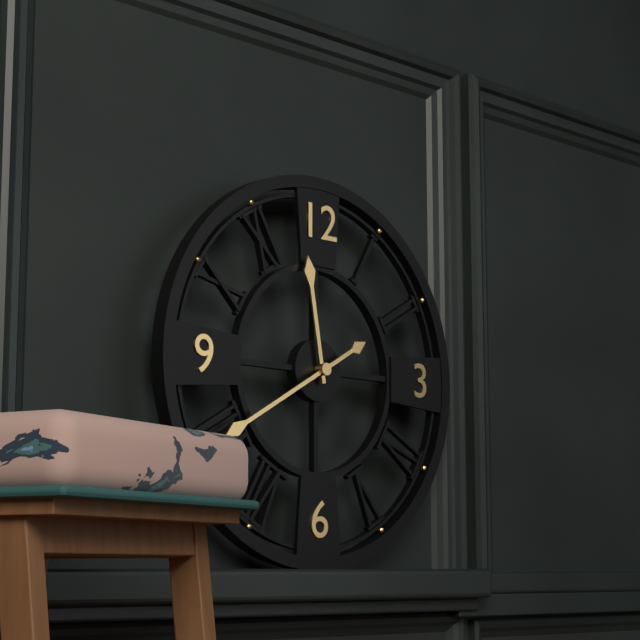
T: 11 h 40 min
